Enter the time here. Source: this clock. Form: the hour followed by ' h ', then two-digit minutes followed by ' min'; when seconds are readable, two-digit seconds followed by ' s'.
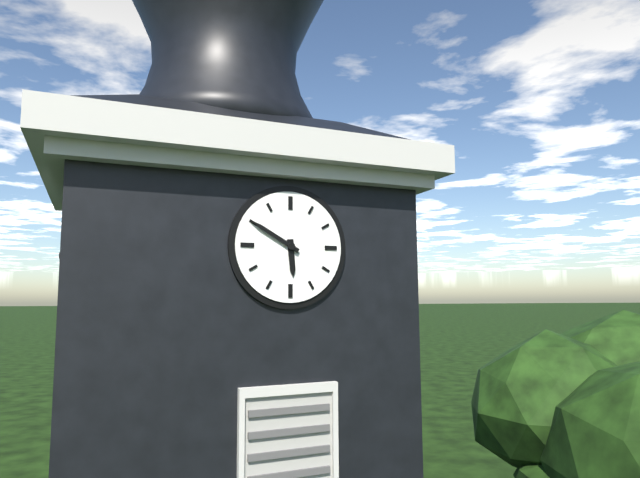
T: 5 h 50 min
